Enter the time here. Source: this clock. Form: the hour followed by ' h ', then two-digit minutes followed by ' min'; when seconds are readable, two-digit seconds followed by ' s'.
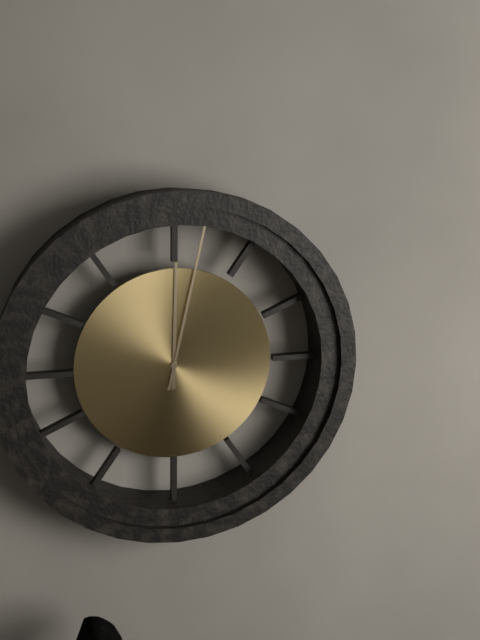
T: 12 h 02 min
